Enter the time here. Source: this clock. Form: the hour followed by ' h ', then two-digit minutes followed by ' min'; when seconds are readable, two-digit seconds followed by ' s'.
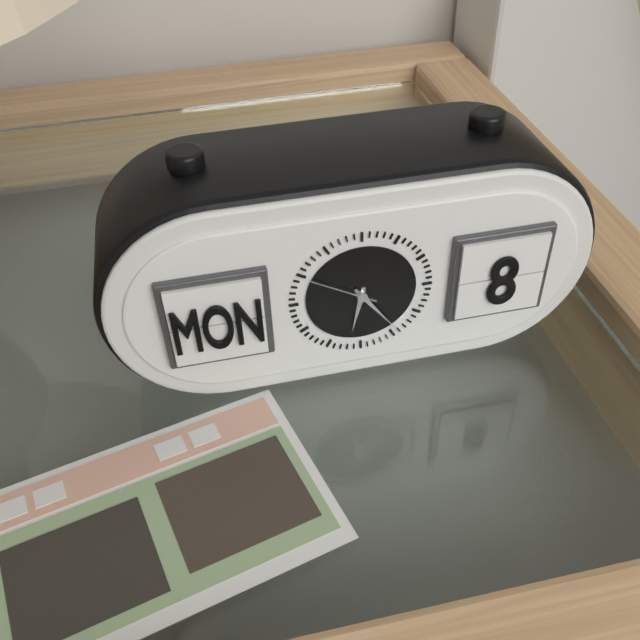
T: 6 h 24 min 50 s
